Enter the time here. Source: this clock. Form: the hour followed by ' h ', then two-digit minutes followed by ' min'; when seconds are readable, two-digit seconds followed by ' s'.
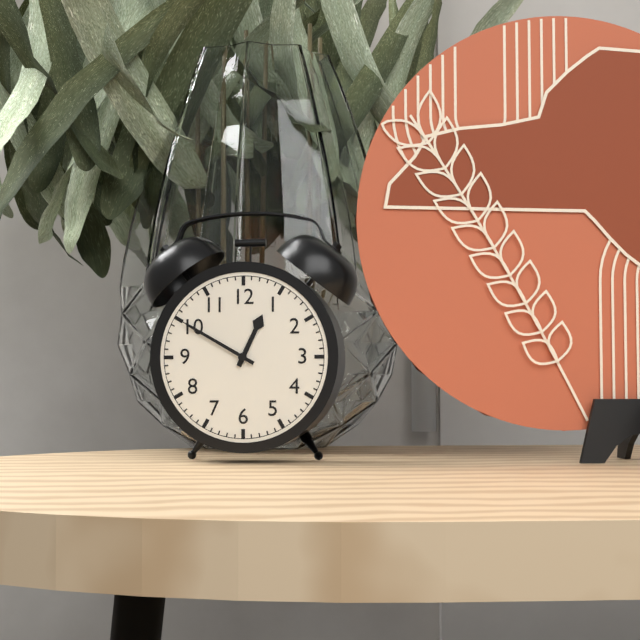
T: 12 h 50 min
